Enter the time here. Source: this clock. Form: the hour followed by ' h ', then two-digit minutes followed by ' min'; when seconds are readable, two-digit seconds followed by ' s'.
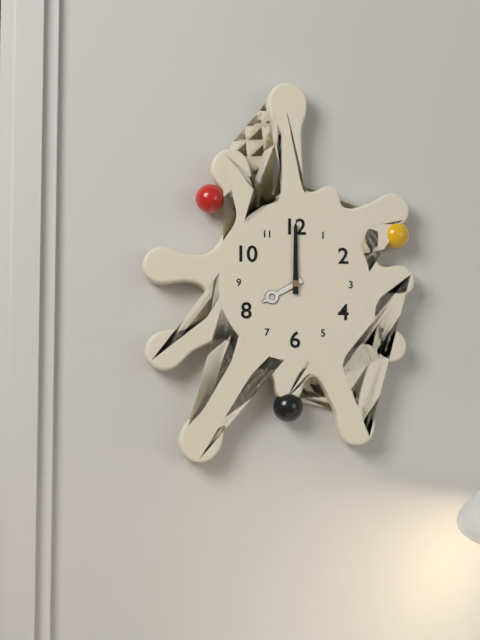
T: 8 h 00 min
